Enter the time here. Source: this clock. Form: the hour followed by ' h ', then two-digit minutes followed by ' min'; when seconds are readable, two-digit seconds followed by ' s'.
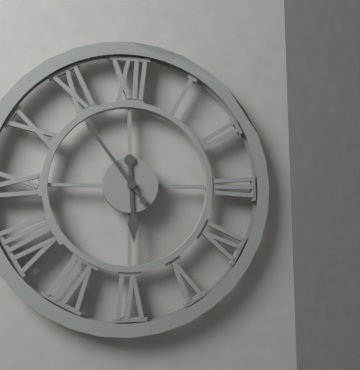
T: 5 h 54 min
